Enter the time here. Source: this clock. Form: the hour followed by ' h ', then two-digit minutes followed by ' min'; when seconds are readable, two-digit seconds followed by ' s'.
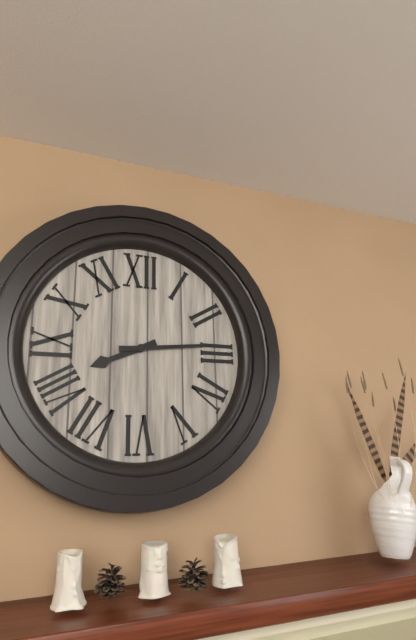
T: 8 h 14 min
